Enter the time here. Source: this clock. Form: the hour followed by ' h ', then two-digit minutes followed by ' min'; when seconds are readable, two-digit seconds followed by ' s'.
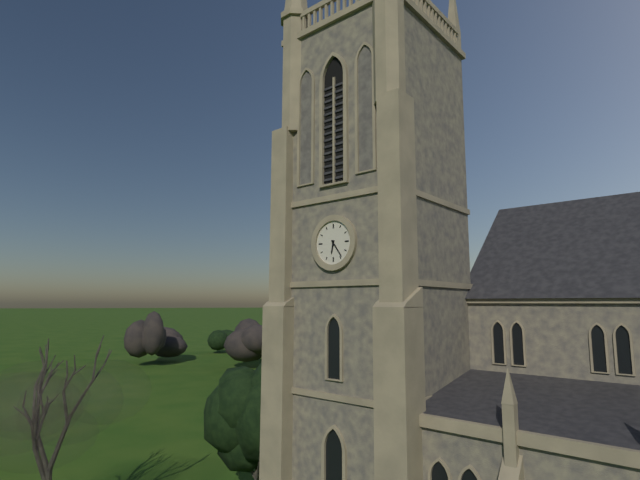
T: 6 h 24 min
